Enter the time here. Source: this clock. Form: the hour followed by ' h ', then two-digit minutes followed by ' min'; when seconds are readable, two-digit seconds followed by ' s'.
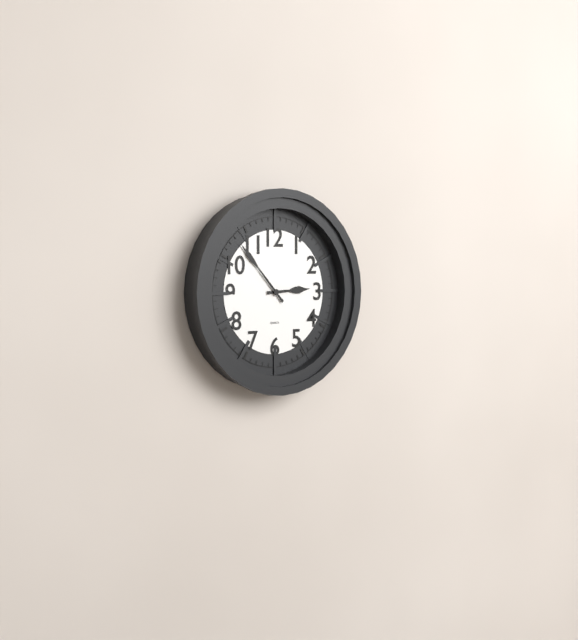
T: 2 h 53 min
